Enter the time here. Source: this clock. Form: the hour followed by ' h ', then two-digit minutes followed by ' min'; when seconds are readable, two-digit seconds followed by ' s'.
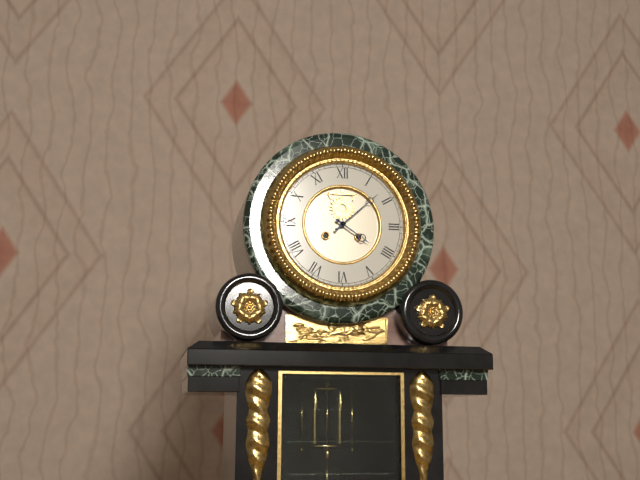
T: 4 h 08 min
